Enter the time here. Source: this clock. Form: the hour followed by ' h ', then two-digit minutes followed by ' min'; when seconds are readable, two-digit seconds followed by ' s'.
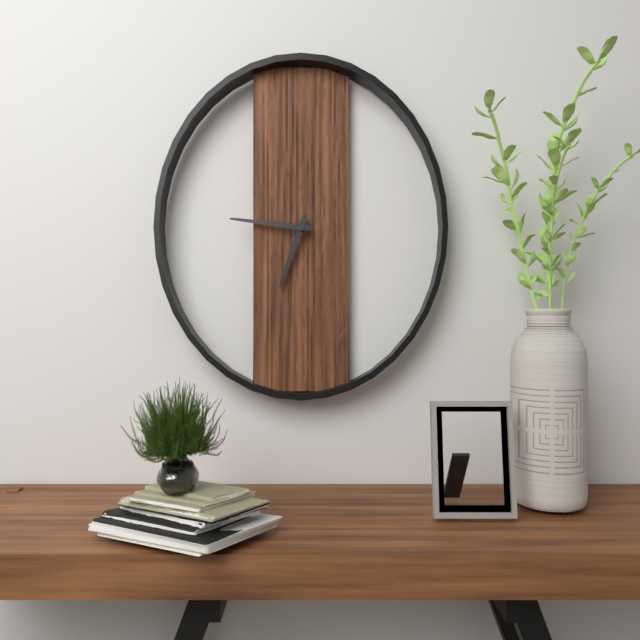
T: 6 h 46 min
